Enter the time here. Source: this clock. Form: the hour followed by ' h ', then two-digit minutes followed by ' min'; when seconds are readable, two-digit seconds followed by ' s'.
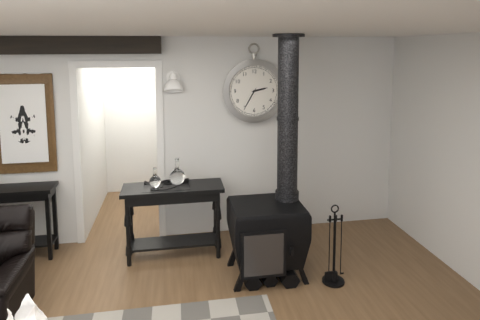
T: 2 h 35 min
